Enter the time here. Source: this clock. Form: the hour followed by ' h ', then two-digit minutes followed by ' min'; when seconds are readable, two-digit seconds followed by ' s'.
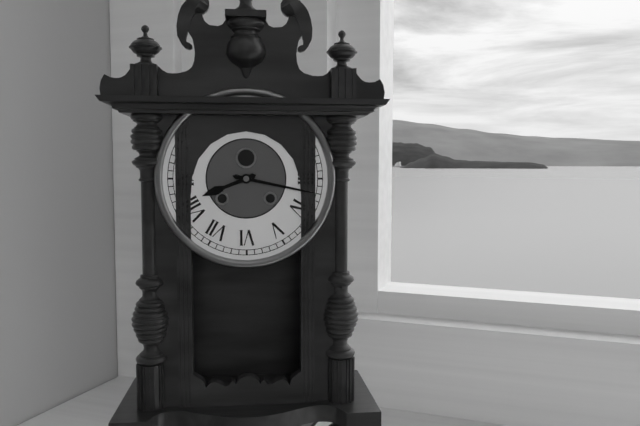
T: 8 h 17 min
